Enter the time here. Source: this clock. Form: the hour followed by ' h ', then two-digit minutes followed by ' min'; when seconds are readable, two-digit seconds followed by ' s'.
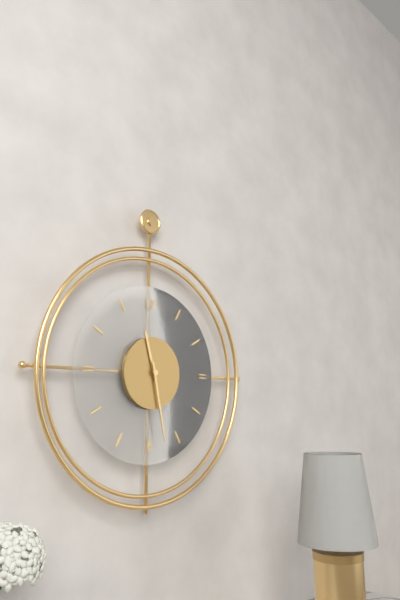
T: 11 h 28 min
